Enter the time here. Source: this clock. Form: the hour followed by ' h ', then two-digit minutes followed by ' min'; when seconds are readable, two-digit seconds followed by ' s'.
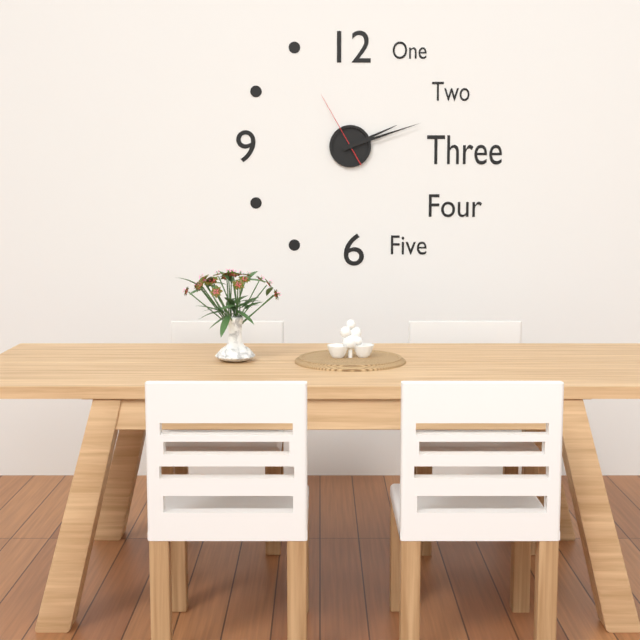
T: 2 h 12 min 55 s
